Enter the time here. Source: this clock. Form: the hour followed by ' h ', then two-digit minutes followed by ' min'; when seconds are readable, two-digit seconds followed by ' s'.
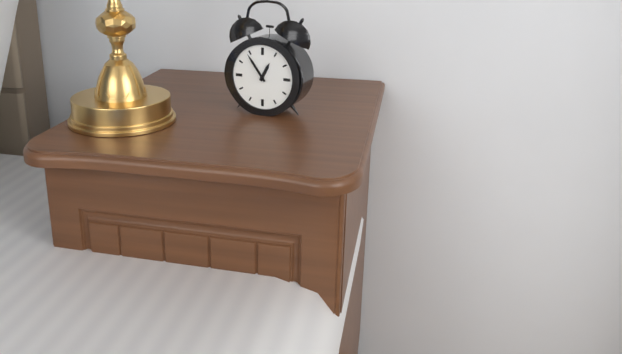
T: 12 h 54 min
